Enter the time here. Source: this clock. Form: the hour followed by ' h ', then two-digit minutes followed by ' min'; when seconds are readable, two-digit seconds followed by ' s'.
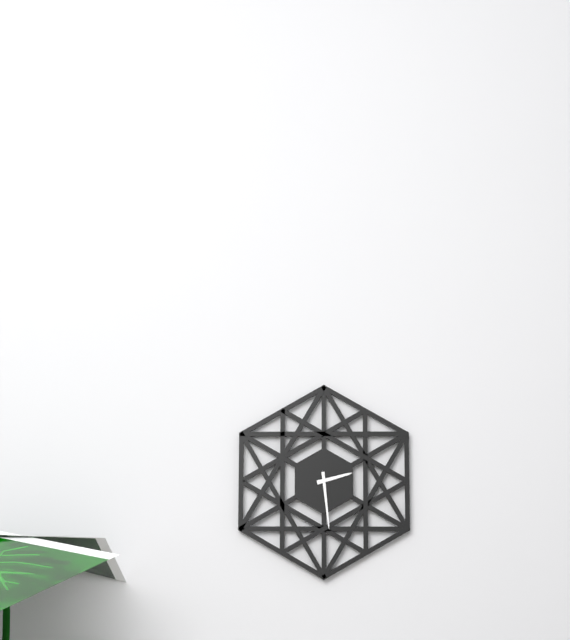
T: 2 h 29 min
